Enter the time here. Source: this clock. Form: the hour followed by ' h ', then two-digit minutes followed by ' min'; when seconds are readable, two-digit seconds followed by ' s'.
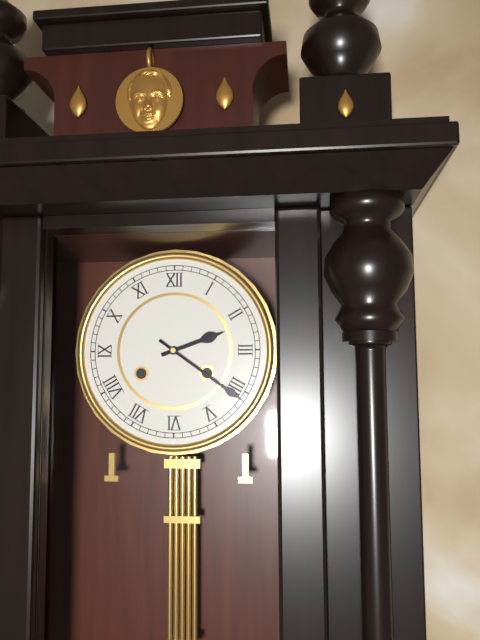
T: 2 h 21 min
